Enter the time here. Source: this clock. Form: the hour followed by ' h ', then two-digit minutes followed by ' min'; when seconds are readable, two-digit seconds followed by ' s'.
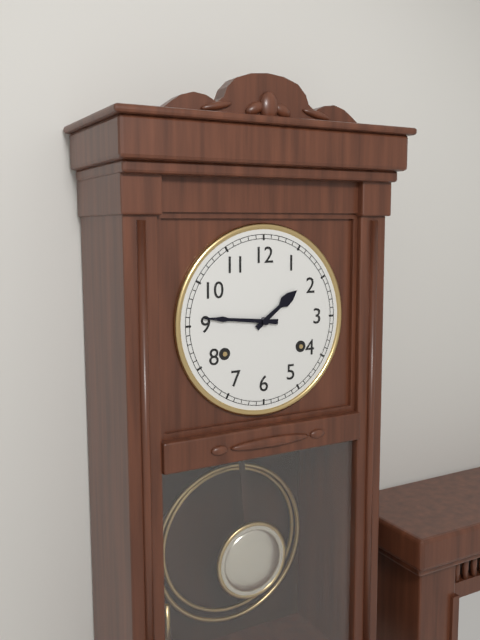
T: 1 h 46 min
